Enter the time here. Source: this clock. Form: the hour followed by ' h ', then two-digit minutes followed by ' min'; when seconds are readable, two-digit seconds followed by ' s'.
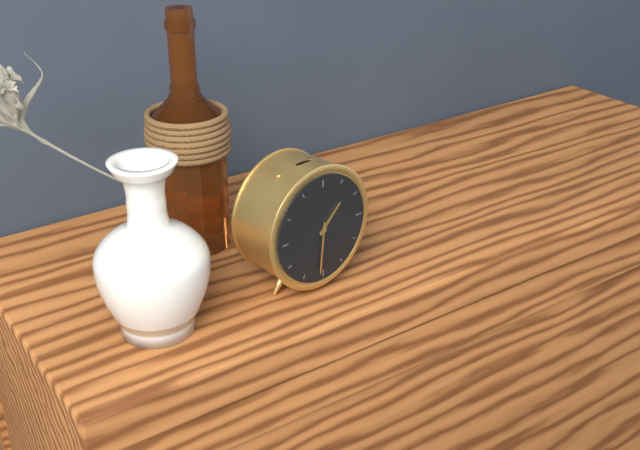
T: 1 h 31 min
